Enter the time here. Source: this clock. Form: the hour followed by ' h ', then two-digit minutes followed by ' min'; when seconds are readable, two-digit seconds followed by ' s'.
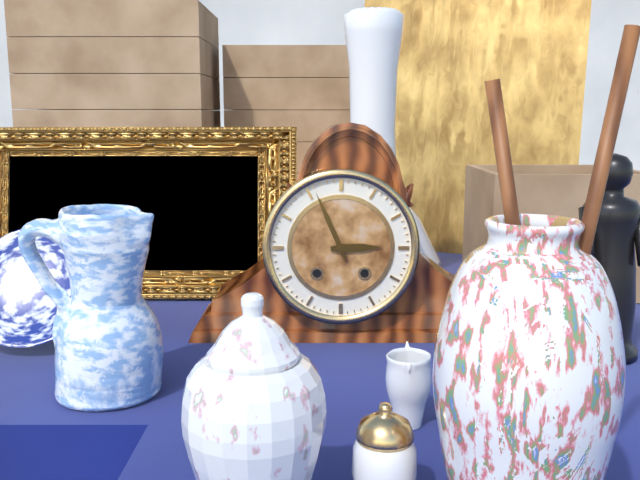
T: 2 h 56 min
